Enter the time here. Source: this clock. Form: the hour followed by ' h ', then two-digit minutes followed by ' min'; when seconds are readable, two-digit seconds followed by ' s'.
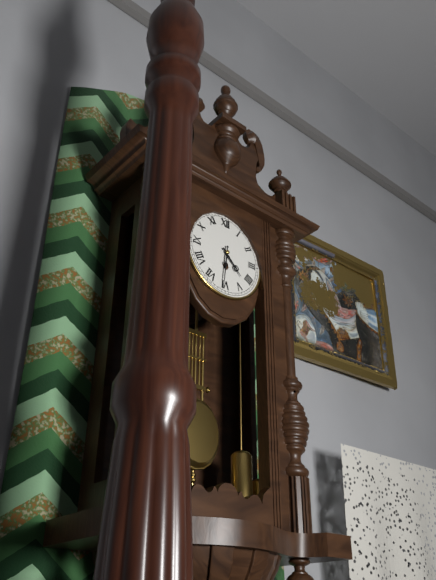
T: 4 h 31 min
